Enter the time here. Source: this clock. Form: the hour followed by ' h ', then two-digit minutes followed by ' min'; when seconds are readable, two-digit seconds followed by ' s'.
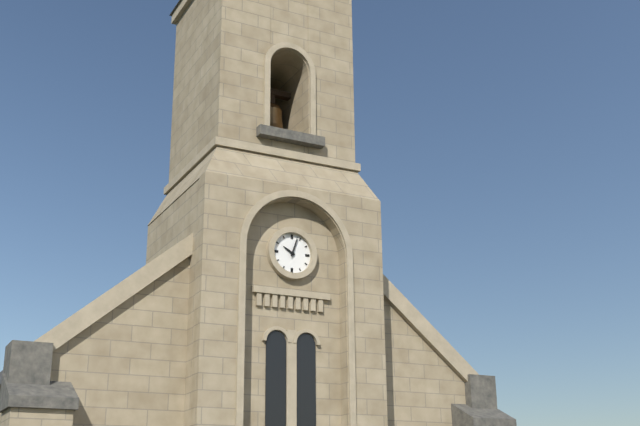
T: 10 h 03 min
